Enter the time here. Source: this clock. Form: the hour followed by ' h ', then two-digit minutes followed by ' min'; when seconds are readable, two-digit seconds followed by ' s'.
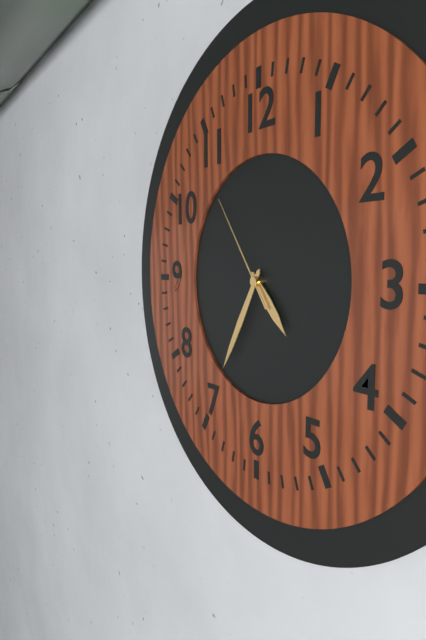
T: 4 h 35 min 54 s
